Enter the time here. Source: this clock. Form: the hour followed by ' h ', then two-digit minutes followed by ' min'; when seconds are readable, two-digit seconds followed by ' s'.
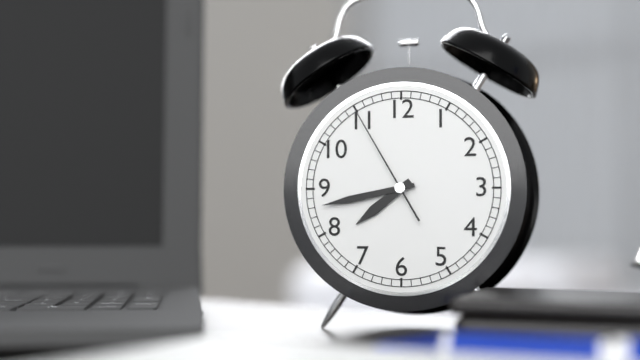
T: 7 h 43 min 55 s
